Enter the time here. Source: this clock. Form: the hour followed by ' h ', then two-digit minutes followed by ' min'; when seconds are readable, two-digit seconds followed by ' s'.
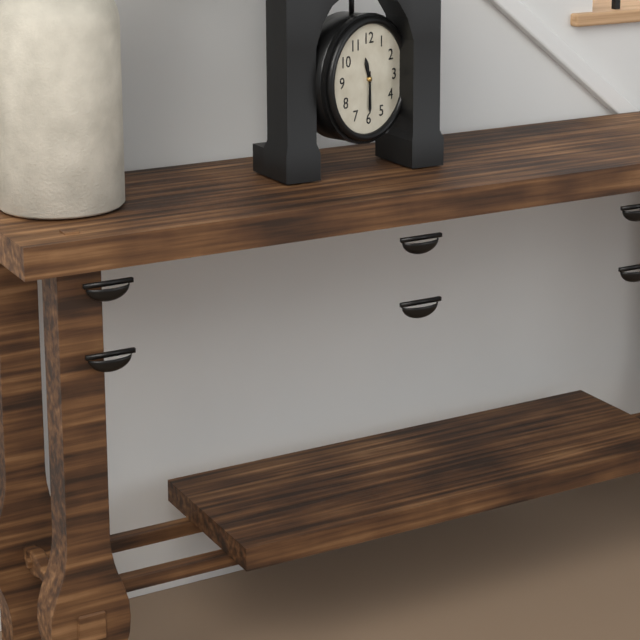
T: 11 h 30 min
